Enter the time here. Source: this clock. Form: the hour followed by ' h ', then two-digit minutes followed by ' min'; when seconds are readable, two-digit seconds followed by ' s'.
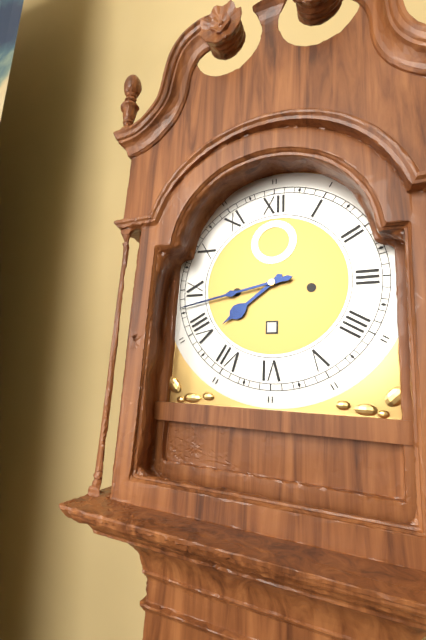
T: 7 h 43 min
